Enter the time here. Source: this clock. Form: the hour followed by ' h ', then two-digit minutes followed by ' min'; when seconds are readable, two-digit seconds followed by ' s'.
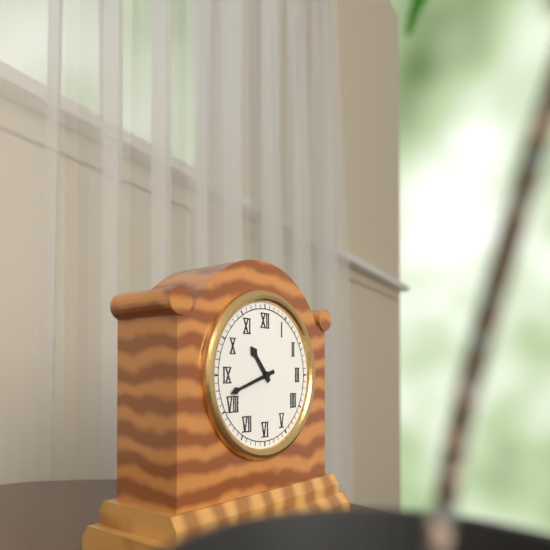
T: 10 h 42 min
